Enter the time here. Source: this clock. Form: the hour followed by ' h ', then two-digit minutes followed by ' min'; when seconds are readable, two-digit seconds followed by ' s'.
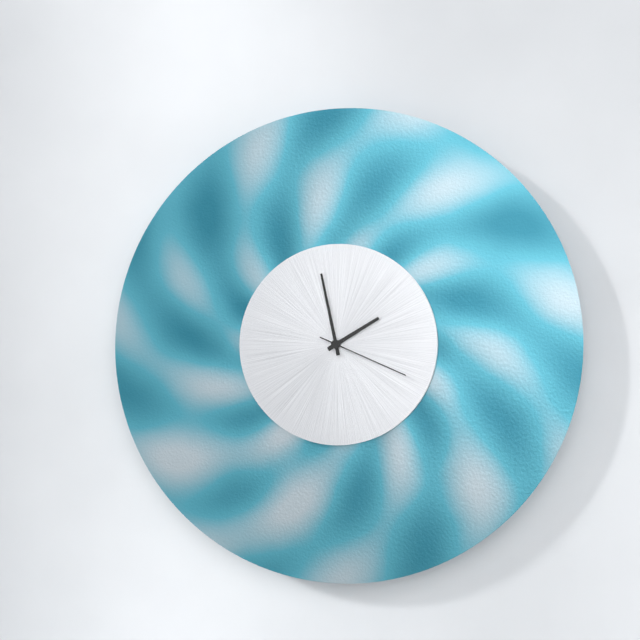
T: 1 h 58 min 19 s
